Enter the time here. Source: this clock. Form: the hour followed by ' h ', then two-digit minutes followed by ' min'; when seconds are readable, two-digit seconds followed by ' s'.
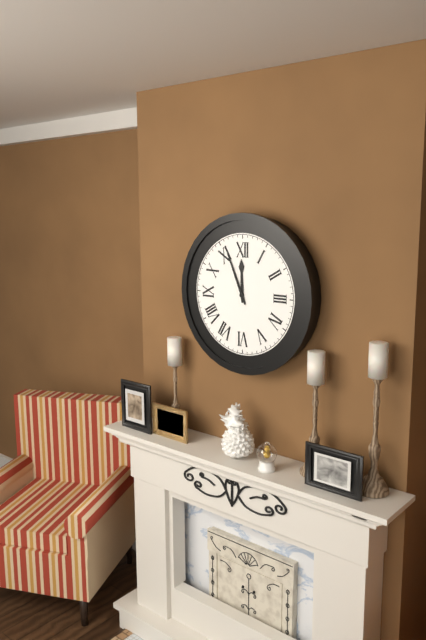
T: 11 h 56 min
